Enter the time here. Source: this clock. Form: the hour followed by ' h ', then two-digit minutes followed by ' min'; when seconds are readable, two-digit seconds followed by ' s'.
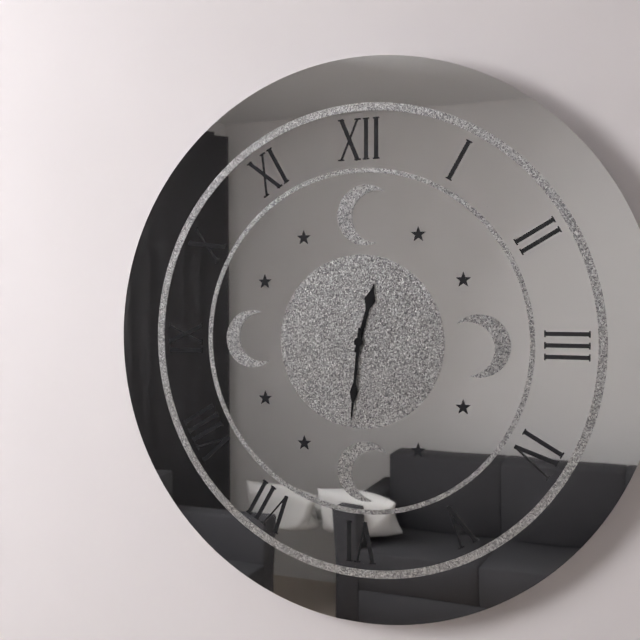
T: 12 h 31 min
